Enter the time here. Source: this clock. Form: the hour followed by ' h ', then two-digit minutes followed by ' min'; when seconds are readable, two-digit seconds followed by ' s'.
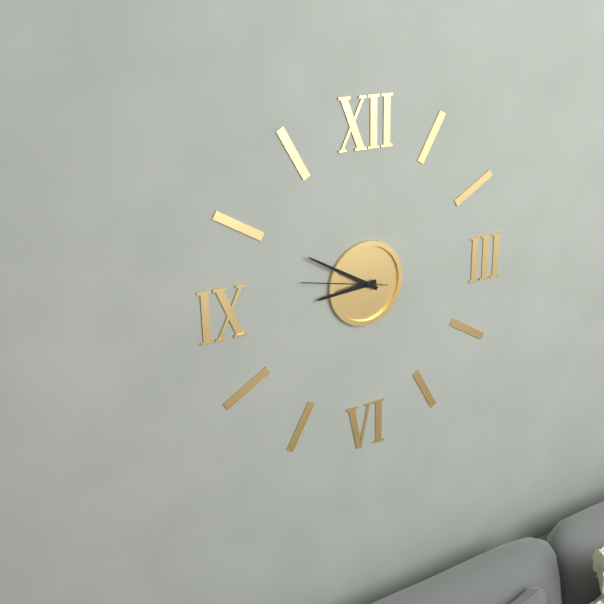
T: 8 h 50 min 47 s
